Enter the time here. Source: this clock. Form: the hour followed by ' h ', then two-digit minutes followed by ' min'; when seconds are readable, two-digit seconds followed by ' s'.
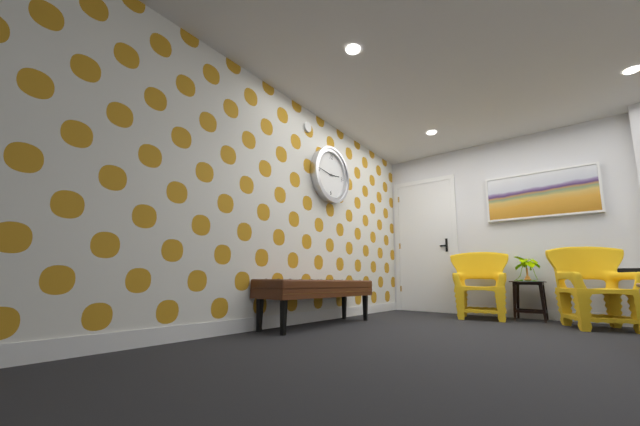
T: 2 h 46 min
